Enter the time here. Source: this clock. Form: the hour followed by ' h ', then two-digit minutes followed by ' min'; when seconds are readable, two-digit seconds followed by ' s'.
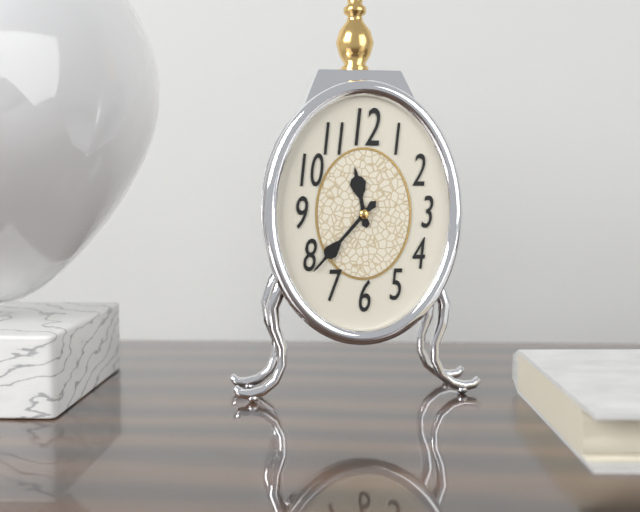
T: 11 h 37 min
